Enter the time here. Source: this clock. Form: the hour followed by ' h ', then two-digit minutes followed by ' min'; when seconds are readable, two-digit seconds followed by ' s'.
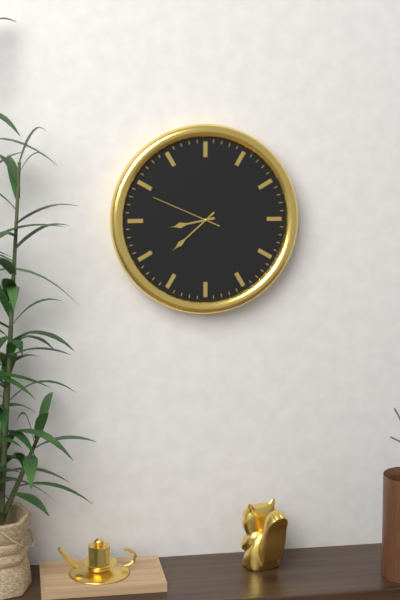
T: 8 h 38 min 49 s
